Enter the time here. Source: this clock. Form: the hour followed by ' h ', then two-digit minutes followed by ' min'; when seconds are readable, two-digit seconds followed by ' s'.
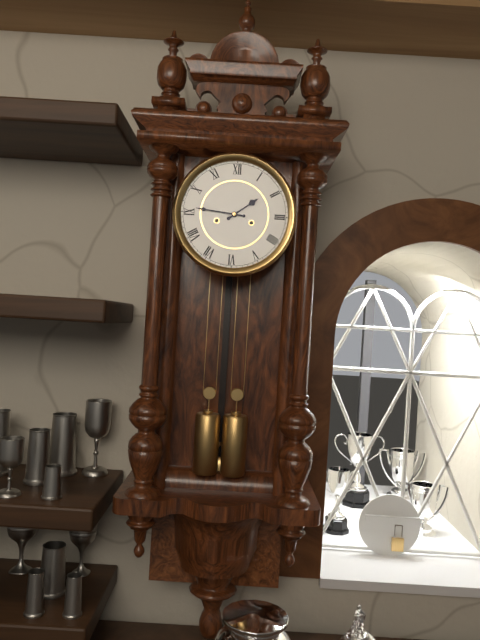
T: 1 h 46 min
